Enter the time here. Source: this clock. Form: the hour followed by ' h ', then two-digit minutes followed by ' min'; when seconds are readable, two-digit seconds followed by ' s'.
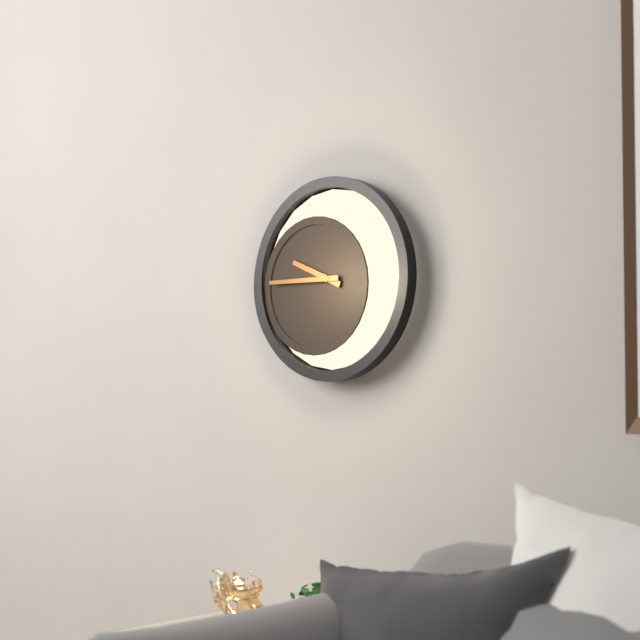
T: 9 h 45 min
